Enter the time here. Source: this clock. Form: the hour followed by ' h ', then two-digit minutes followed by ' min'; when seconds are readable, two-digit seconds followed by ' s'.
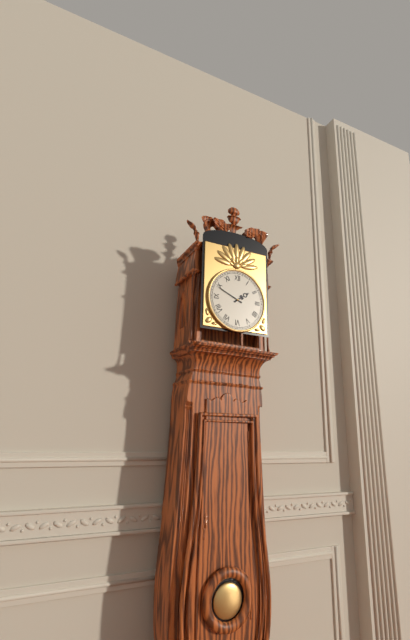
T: 1 h 49 min
